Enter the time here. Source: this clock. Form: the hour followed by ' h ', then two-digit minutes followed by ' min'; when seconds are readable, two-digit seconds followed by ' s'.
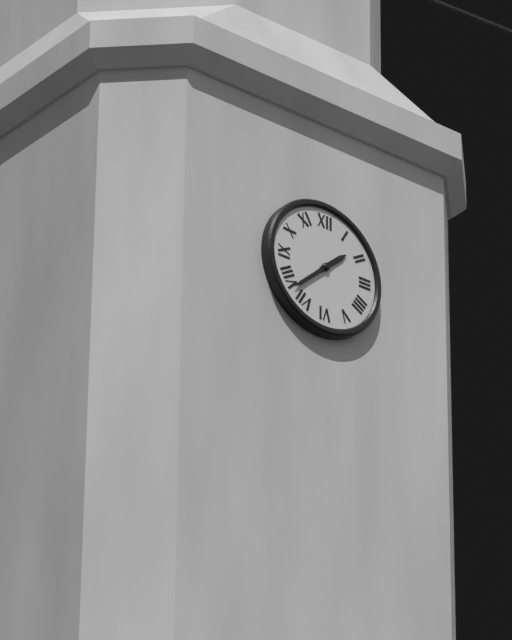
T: 1 h 38 min
